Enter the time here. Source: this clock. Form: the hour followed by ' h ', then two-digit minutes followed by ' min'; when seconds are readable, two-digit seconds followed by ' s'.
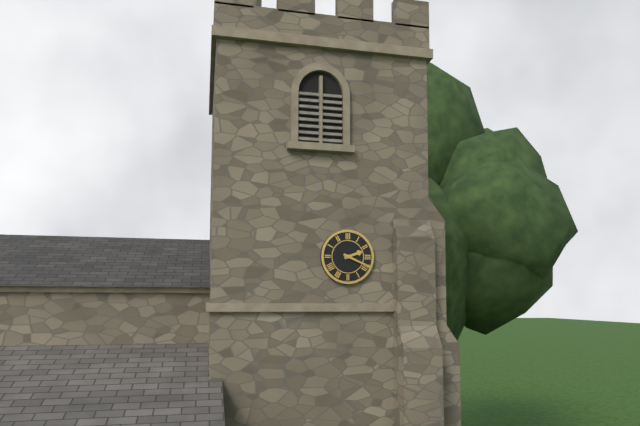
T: 2 h 19 min
